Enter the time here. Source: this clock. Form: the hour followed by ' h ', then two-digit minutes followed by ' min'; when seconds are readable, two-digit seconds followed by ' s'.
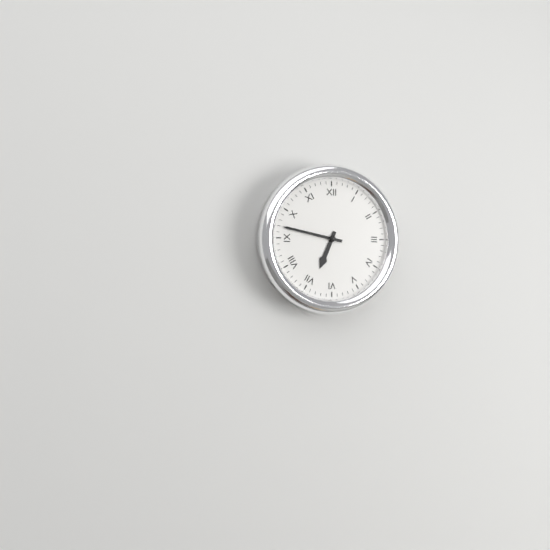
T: 6 h 47 min
